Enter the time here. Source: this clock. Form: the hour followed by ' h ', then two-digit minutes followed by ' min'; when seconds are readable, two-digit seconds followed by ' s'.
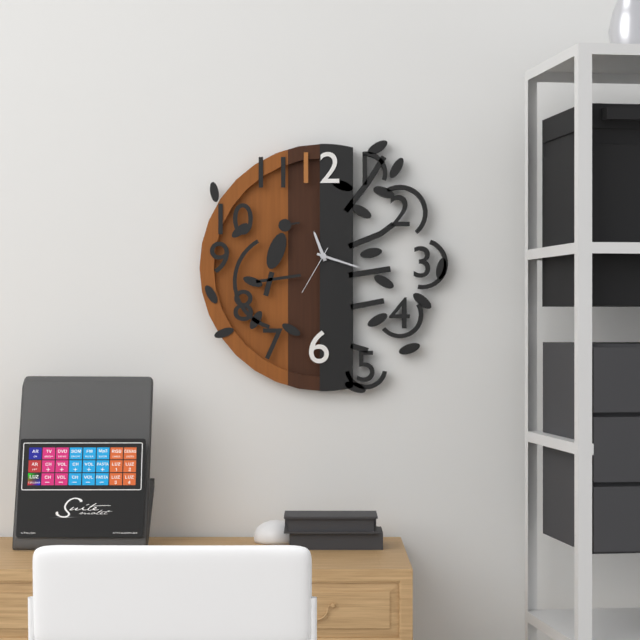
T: 11 h 18 min 35 s
